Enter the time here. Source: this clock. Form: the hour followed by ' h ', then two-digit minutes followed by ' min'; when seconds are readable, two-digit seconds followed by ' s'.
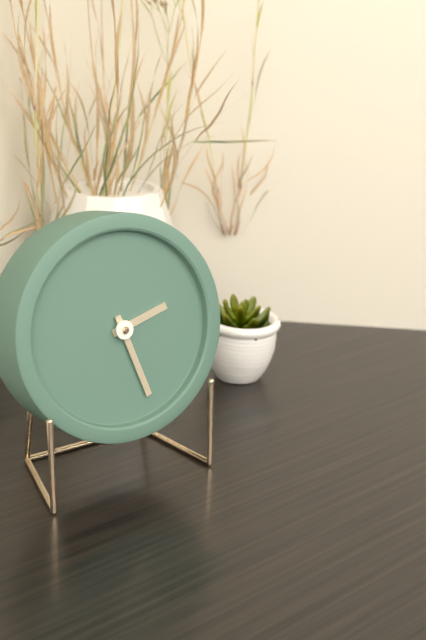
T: 2 h 27 min
